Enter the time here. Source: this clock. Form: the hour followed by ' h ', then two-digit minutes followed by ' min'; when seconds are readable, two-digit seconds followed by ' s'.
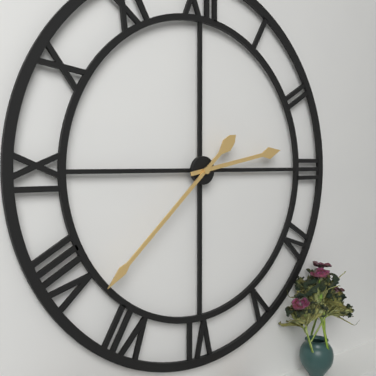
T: 2 h 38 min
